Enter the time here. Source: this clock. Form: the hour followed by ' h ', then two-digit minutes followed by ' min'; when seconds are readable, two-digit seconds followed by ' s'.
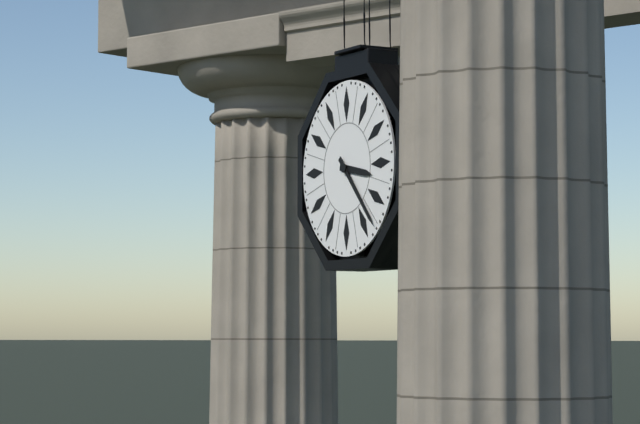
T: 3 h 23 min
